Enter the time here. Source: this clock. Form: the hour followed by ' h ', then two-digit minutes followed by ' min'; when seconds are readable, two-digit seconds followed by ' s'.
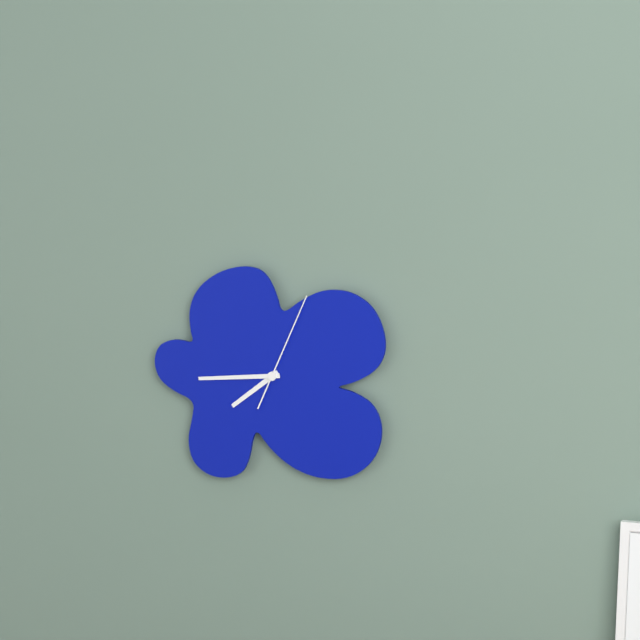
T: 7 h 44 min 04 s
